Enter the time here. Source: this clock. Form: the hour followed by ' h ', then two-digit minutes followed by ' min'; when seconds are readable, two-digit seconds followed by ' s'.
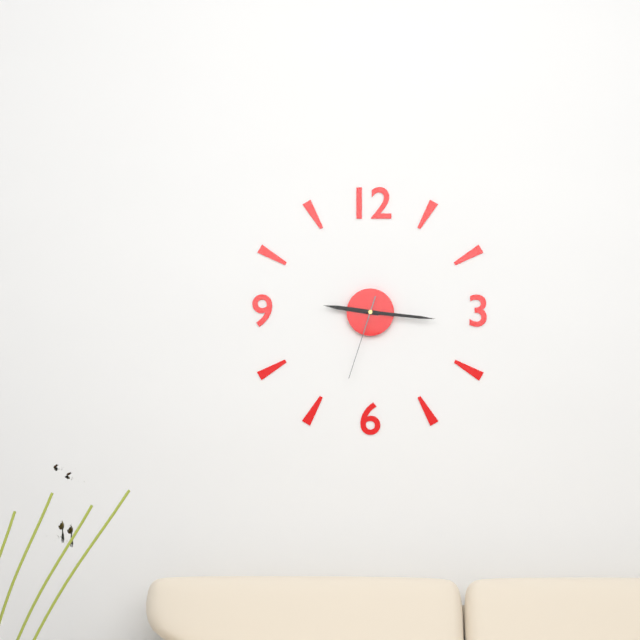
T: 9 h 16 min 33 s
